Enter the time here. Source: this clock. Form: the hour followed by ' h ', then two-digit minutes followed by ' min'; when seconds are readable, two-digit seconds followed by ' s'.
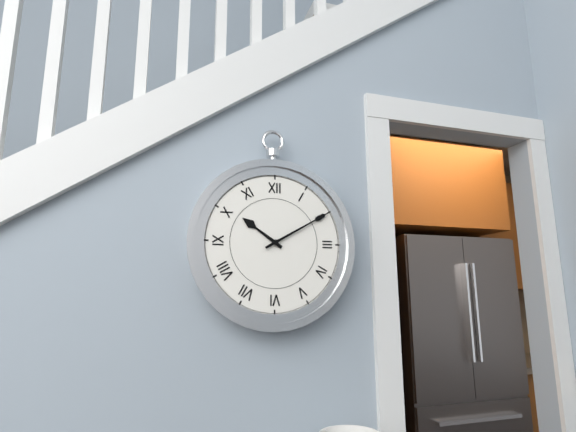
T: 10 h 10 min
